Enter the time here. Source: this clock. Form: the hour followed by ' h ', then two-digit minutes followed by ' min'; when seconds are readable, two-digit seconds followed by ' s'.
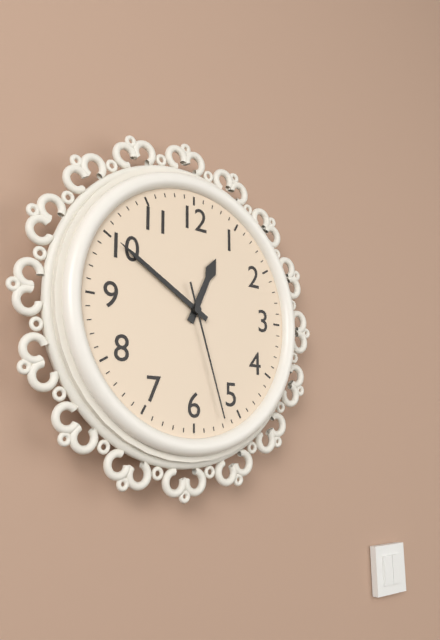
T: 12 h 50 min 27 s
